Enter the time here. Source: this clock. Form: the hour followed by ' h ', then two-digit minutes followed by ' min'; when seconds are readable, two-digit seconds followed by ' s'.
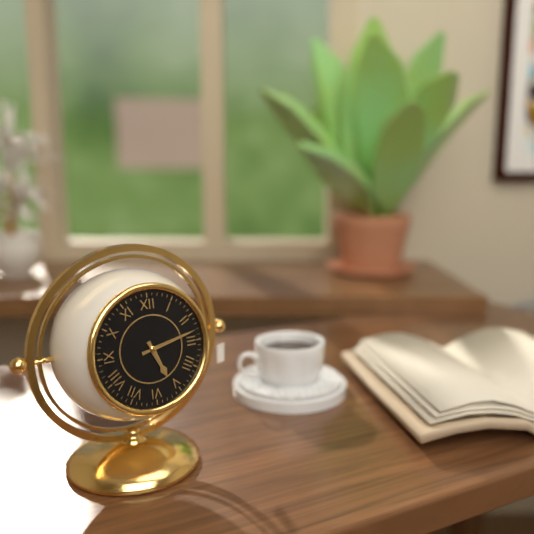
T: 5 h 13 min
